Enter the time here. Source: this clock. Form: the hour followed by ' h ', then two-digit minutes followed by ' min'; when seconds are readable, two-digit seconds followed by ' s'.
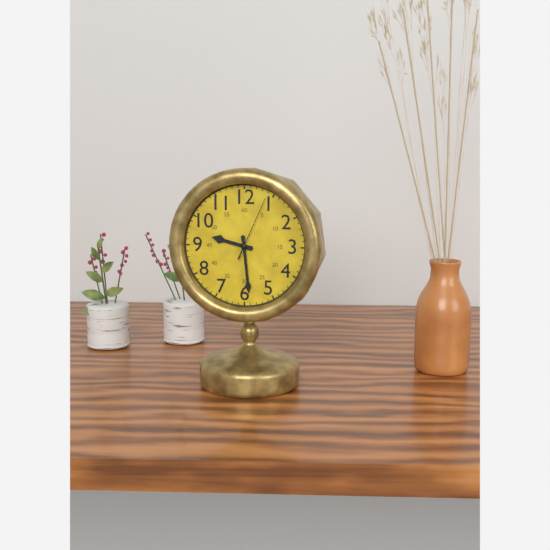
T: 9 h 29 min 04 s
